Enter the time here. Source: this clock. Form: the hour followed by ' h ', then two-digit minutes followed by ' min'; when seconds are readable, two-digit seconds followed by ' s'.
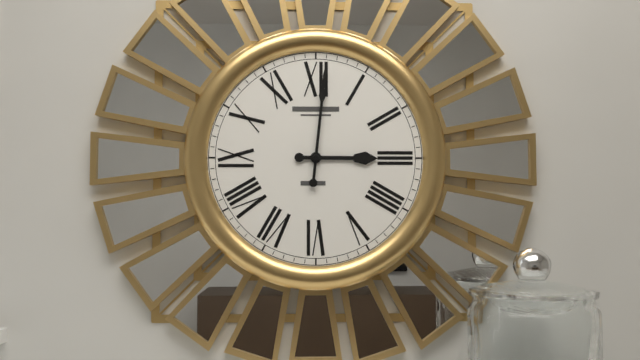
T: 3 h 01 min
